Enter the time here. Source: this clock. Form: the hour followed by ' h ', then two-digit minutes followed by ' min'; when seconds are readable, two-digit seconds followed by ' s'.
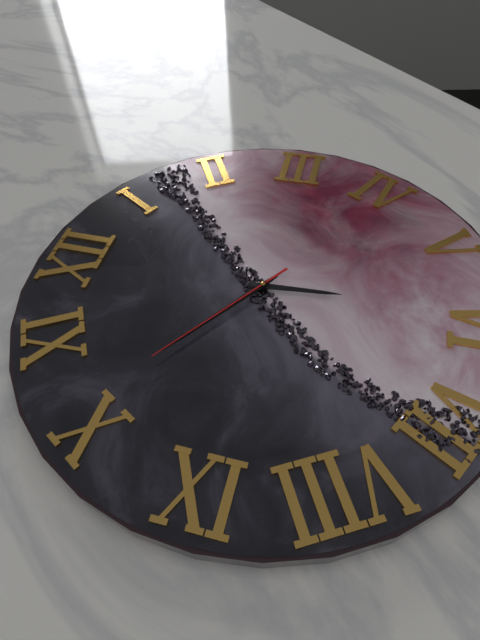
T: 5 h 51 min 51 s
